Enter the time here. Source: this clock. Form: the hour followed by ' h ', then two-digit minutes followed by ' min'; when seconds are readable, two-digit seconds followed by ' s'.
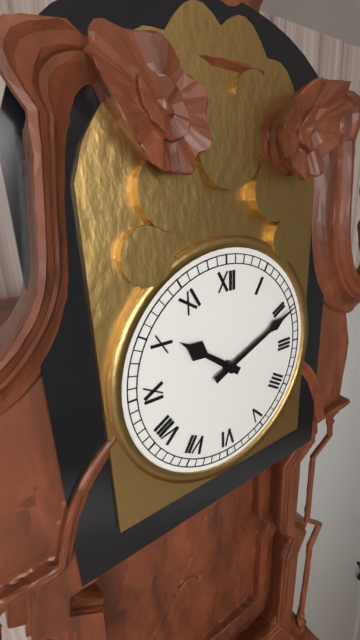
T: 10 h 11 min
